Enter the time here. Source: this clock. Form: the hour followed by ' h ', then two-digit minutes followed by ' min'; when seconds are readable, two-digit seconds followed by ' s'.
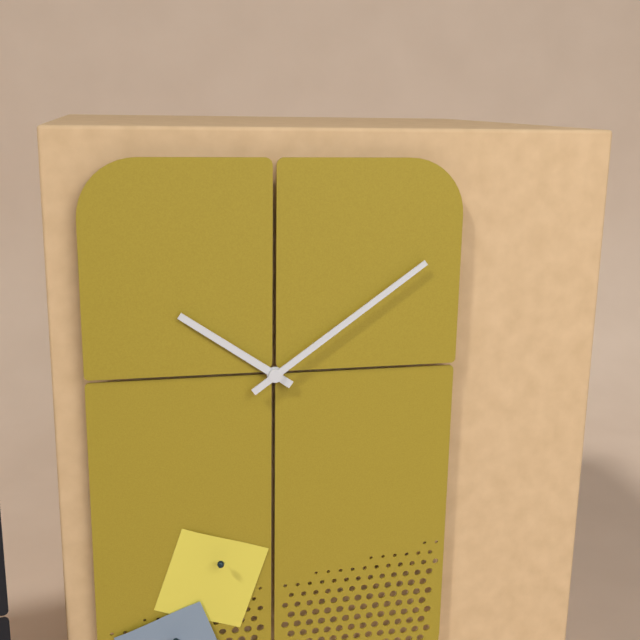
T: 10 h 09 min
